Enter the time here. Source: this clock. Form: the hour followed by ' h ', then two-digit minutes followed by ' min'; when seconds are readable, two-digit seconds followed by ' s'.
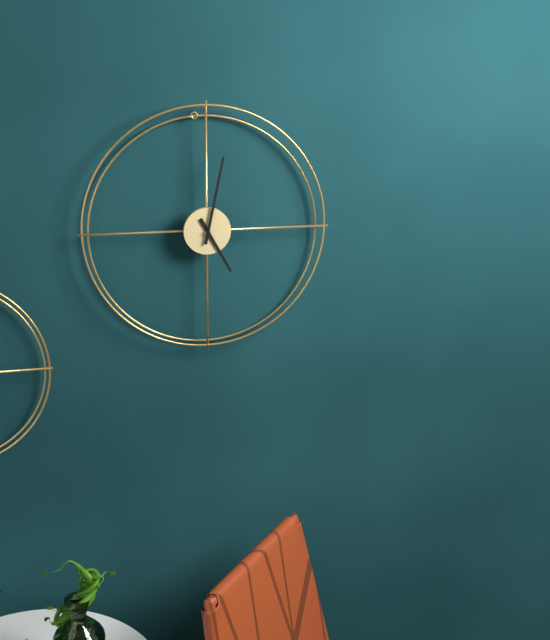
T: 5 h 02 min
